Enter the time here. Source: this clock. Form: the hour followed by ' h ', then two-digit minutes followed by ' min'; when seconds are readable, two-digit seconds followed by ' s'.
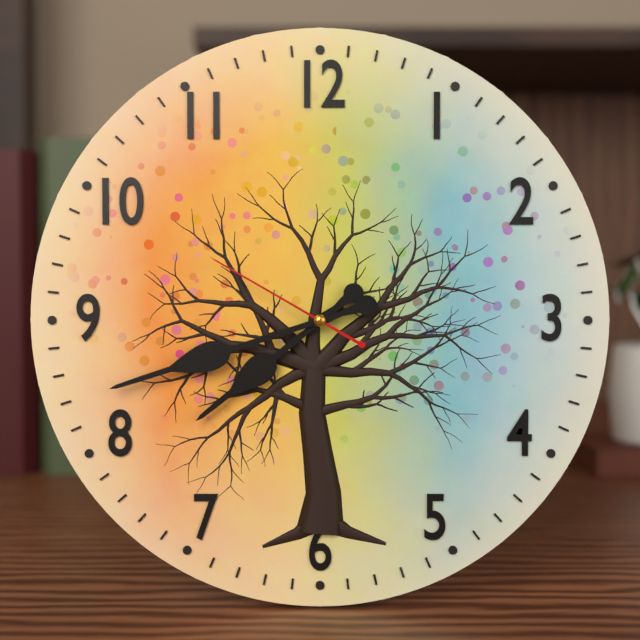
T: 7 h 42 min 50 s
